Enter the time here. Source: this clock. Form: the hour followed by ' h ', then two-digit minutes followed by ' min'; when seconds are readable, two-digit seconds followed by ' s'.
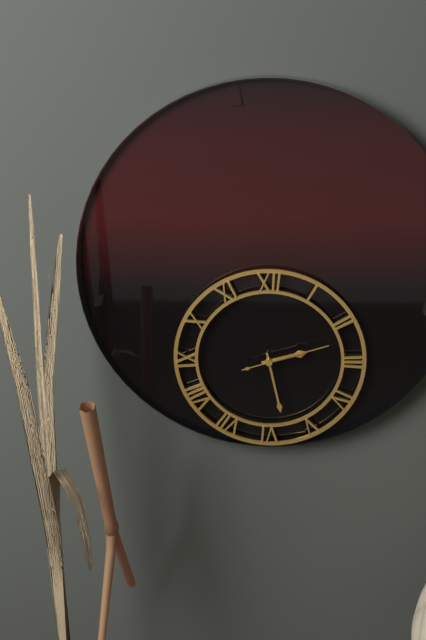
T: 2 h 28 min 12 s
